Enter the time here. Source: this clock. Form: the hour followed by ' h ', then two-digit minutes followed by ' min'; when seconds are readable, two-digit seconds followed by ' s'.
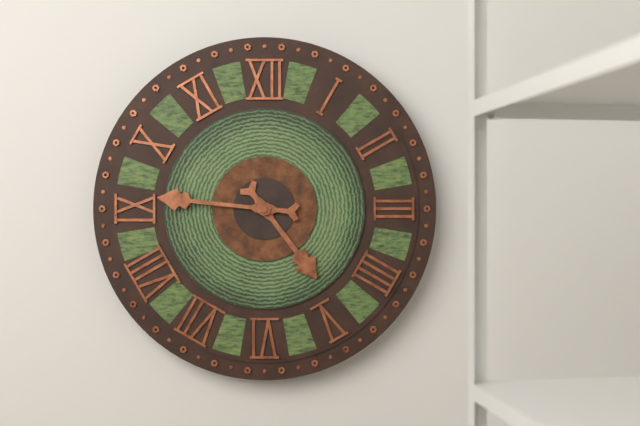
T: 4 h 46 min
